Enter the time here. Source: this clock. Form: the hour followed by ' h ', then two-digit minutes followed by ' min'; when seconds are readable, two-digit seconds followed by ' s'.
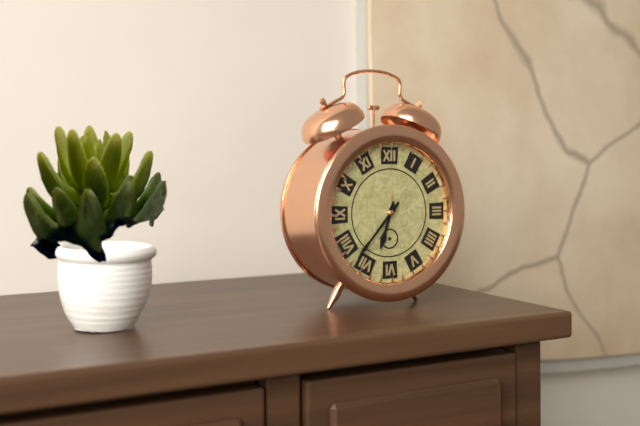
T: 6 h 37 min
